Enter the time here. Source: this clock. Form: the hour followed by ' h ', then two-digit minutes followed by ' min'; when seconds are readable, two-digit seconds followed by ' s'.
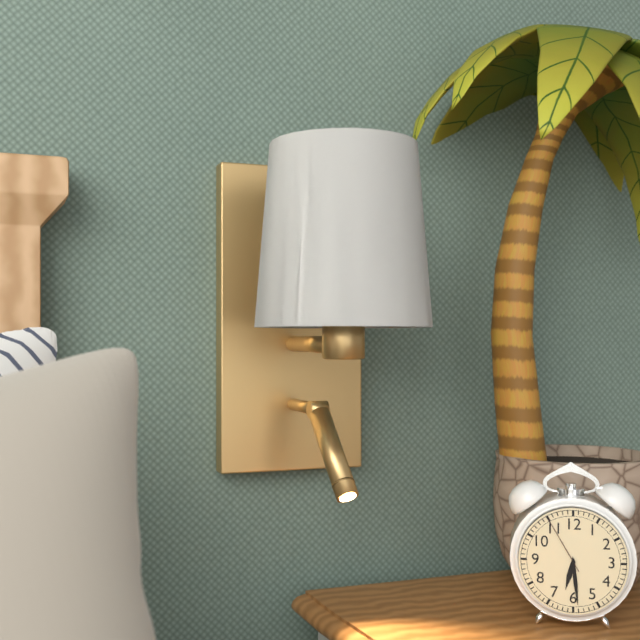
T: 6 h 29 min 55 s
